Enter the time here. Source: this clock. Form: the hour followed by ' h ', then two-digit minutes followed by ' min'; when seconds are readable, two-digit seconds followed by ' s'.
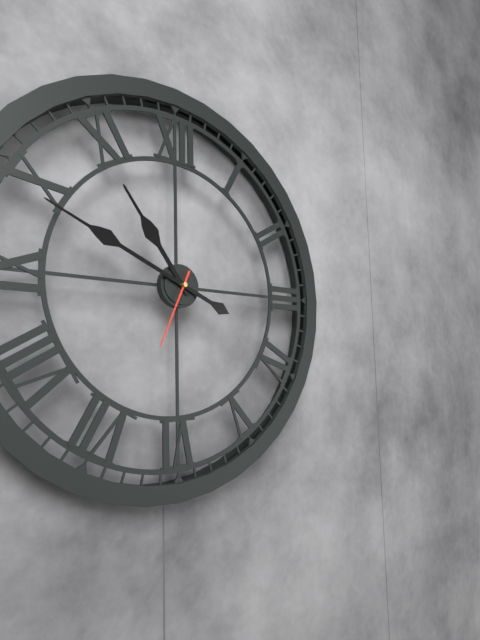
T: 10 h 49 min 34 s
